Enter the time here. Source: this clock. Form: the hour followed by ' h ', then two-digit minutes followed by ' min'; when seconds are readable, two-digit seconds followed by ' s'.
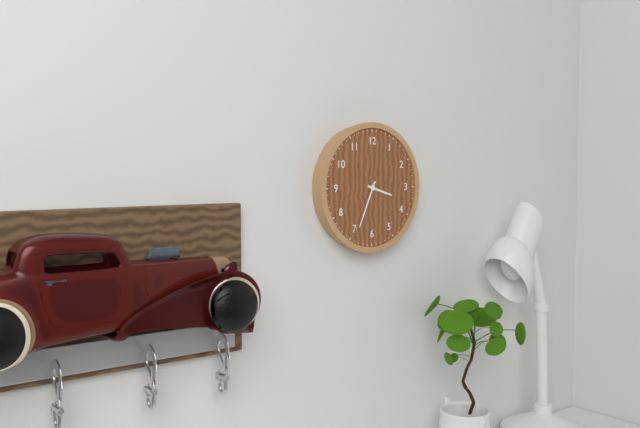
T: 3 h 34 min
